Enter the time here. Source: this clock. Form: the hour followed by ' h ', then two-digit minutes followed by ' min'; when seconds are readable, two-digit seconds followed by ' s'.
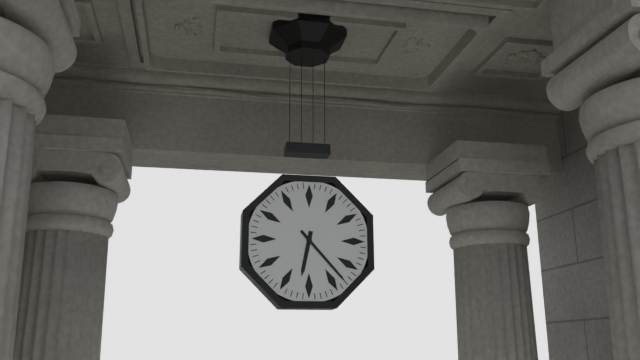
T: 6 h 23 min
